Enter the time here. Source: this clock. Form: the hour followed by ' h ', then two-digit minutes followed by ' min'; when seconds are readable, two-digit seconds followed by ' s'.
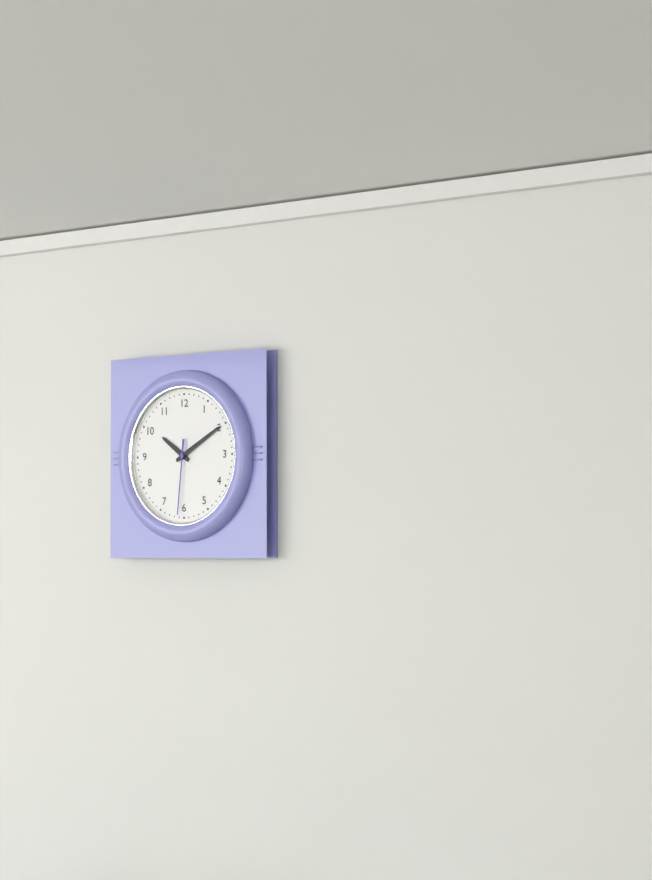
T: 10 h 10 min 31 s
